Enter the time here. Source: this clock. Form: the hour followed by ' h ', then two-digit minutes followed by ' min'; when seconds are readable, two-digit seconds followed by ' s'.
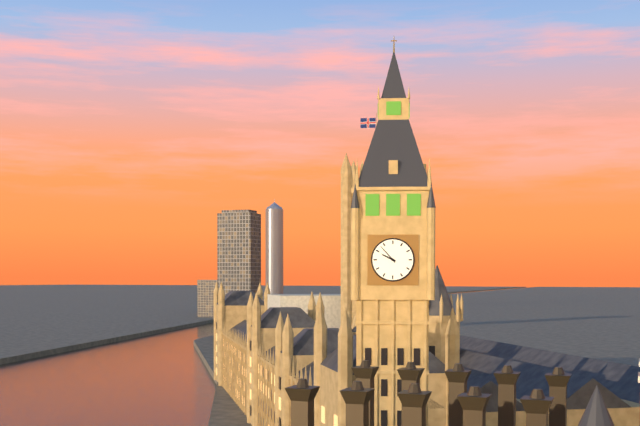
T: 9 h 53 min
